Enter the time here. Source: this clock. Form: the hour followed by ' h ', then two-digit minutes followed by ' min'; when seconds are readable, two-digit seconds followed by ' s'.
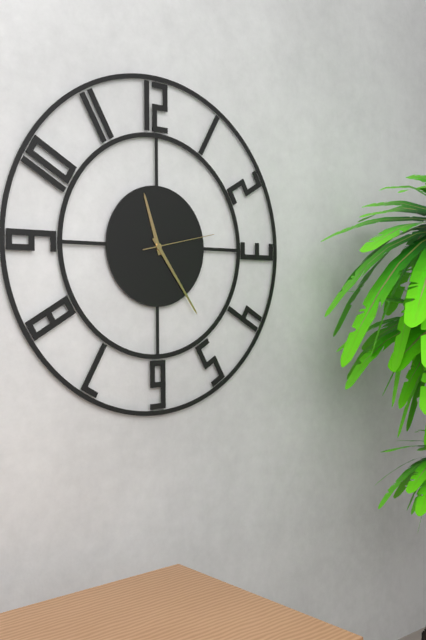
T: 11 h 24 min 13 s
